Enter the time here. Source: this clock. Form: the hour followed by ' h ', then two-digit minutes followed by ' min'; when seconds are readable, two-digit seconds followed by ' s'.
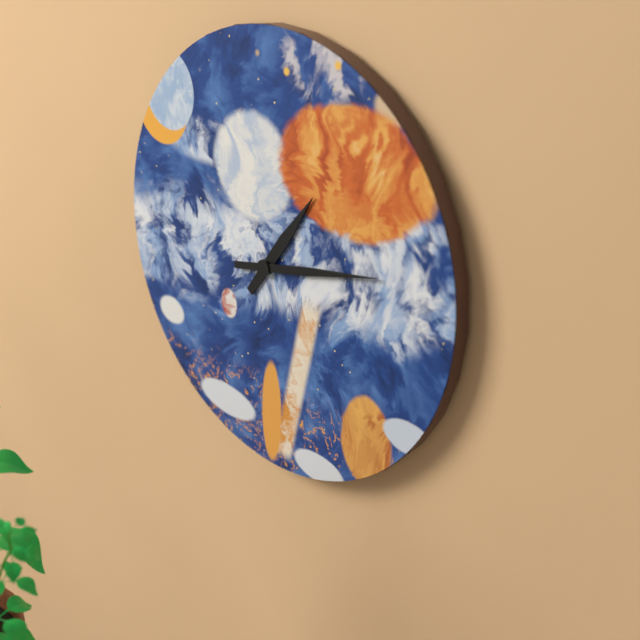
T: 1 h 13 min
